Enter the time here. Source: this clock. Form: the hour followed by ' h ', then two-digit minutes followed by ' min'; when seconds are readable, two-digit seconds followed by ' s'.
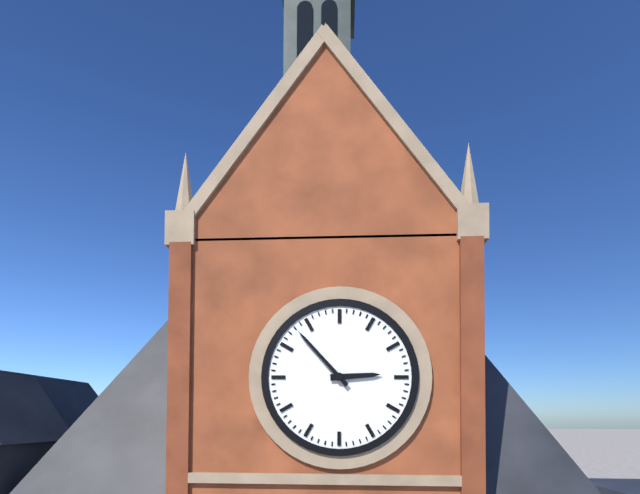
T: 2 h 53 min
